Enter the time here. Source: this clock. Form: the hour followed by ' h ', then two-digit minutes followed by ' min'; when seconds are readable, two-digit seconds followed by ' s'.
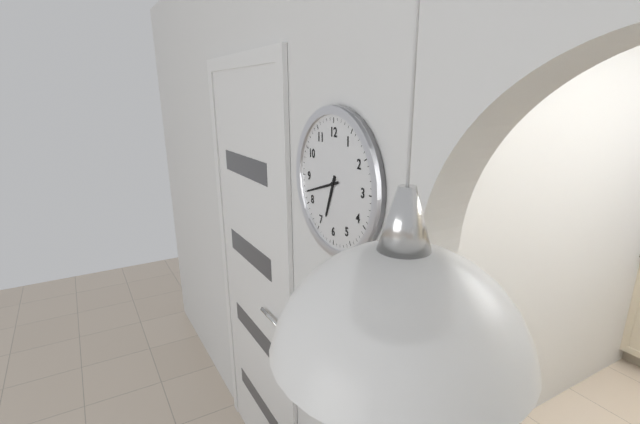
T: 6 h 42 min
